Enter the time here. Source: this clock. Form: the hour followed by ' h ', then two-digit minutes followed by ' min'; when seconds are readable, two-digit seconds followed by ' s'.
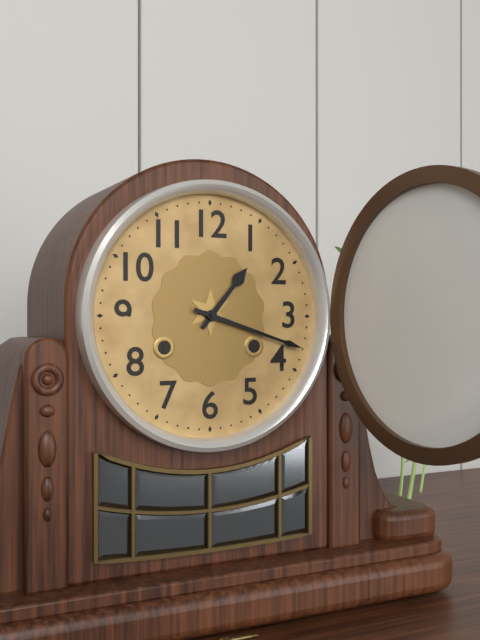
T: 1 h 18 min
